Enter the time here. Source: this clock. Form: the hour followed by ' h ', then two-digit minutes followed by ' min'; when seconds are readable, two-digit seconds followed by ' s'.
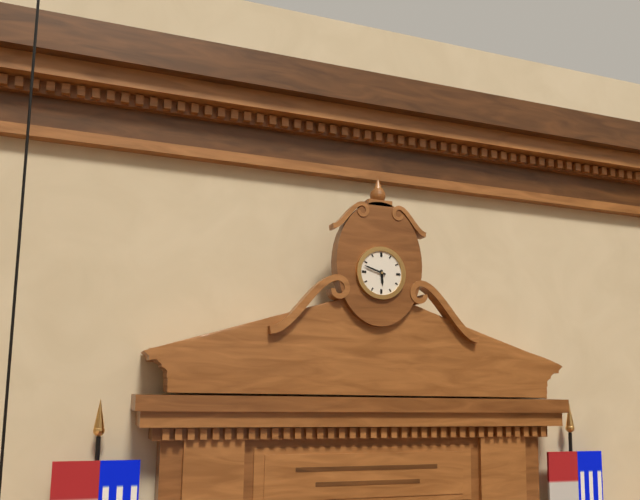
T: 5 h 48 min
